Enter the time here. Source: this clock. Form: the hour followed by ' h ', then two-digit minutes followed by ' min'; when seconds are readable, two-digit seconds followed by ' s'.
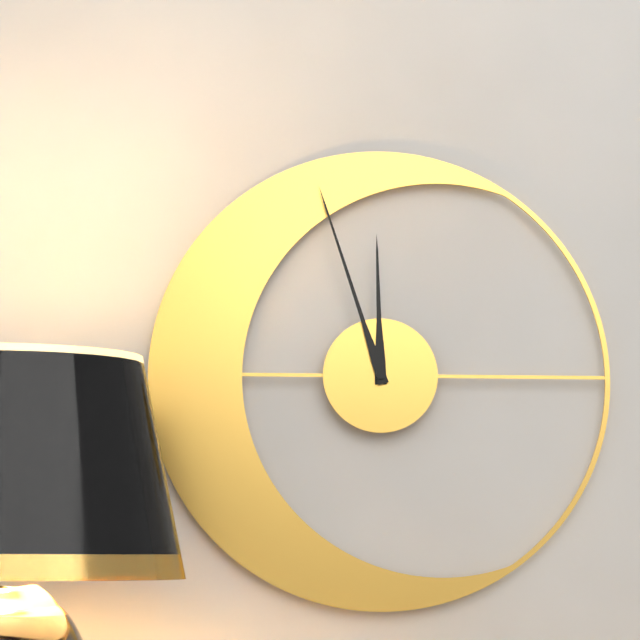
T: 11 h 57 min
